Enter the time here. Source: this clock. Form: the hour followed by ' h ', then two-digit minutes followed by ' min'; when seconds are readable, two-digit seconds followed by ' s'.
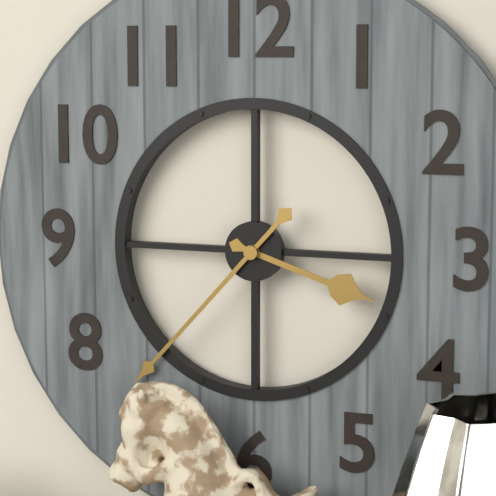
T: 3 h 37 min
